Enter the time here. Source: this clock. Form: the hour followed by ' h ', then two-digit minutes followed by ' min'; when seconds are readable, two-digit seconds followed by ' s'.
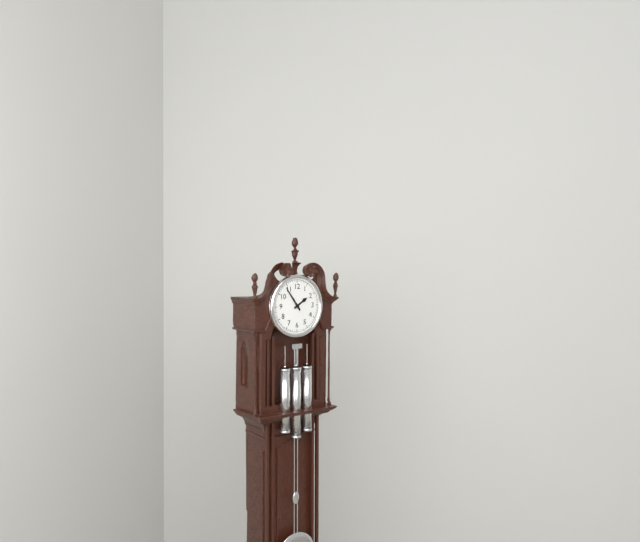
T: 1 h 54 min
